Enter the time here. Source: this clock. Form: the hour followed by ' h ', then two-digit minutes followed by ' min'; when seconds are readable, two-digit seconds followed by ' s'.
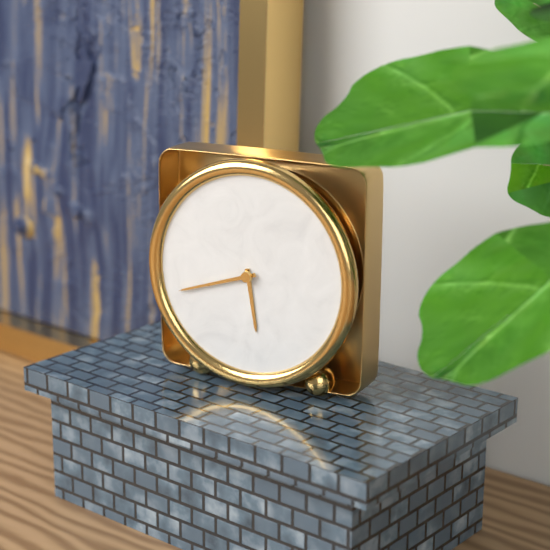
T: 5 h 42 min
